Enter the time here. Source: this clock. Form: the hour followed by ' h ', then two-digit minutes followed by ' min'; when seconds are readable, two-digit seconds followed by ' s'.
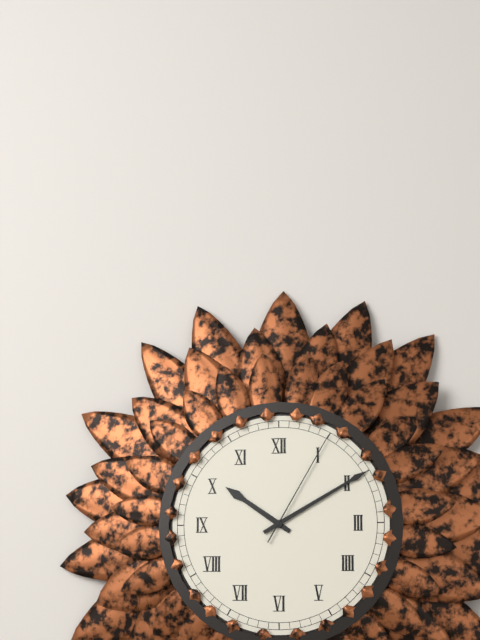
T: 10 h 10 min 05 s
